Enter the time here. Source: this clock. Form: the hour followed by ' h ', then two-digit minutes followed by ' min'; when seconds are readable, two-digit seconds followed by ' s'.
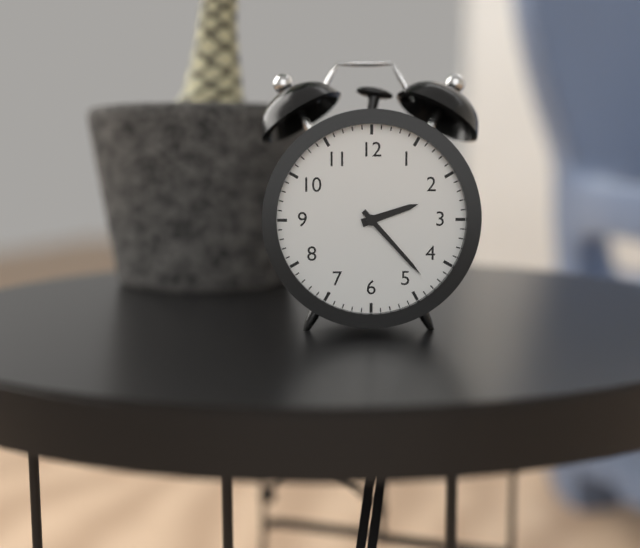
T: 2 h 23 min
